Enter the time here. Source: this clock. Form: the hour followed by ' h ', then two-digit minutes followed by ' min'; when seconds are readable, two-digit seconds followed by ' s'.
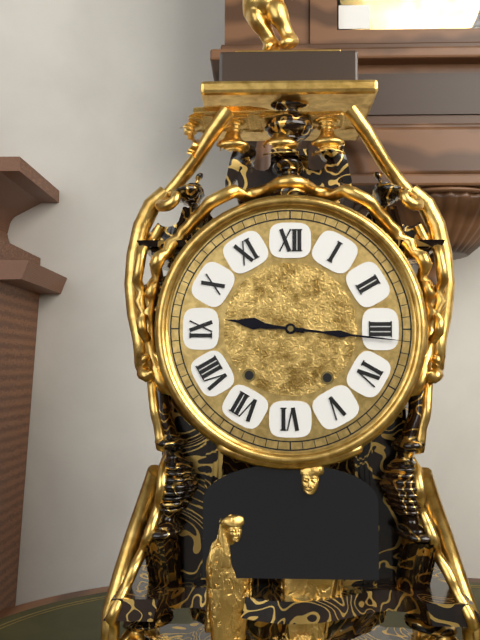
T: 9 h 16 min
